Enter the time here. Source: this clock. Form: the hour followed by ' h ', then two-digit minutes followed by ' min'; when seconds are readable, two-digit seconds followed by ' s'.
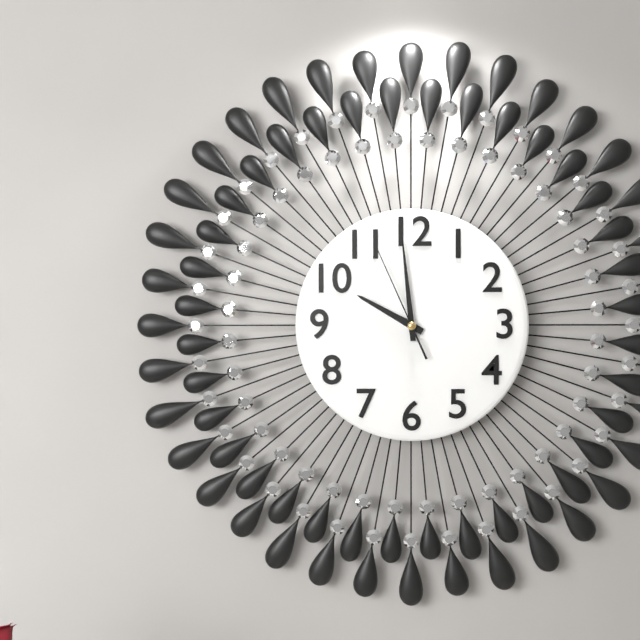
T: 9 h 59 min 56 s
